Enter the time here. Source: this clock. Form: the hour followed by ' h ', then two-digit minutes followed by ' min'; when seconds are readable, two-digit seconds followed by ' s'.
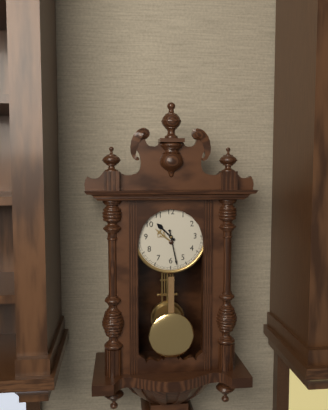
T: 10 h 28 min
